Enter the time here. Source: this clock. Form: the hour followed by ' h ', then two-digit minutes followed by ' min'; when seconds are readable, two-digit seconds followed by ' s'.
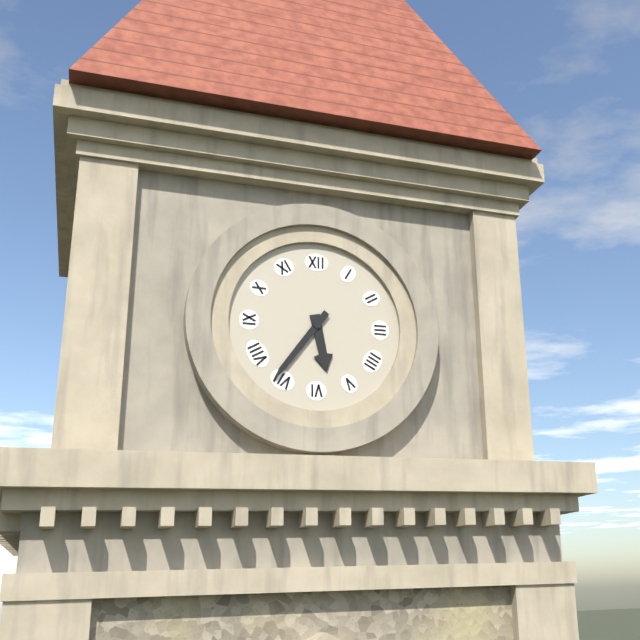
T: 5 h 36 min
